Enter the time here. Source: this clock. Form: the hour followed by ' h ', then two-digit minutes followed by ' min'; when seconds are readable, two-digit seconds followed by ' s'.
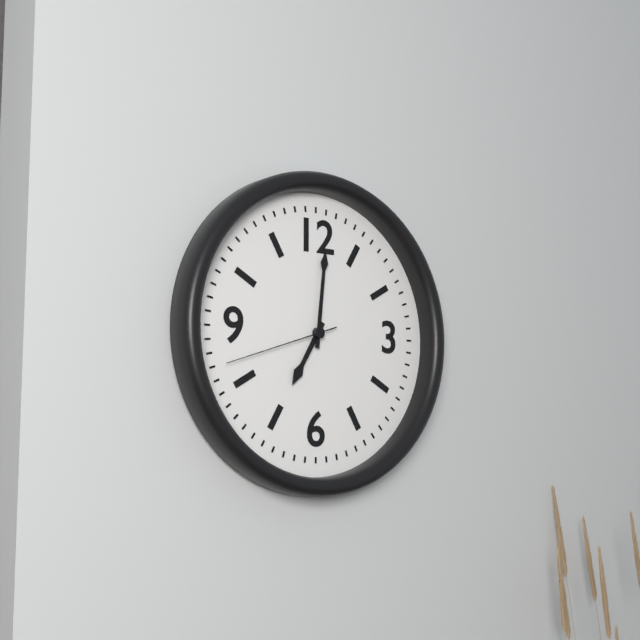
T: 7 h 01 min 42 s
